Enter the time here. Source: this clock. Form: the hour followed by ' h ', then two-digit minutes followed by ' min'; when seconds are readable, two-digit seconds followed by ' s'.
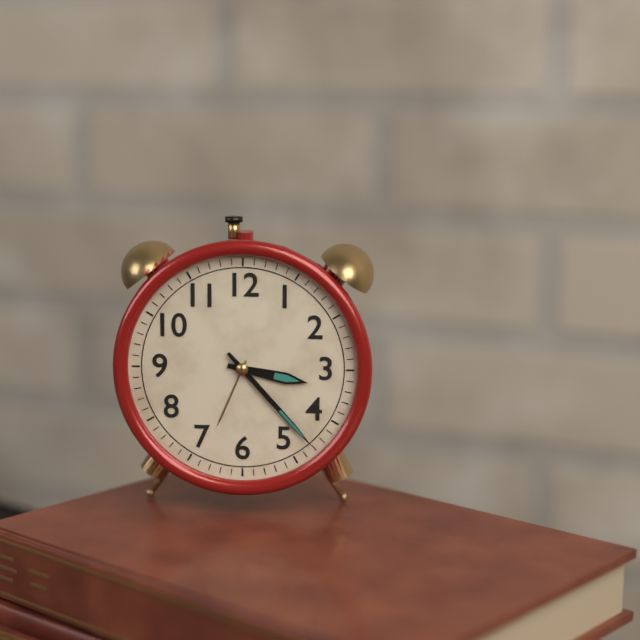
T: 3 h 23 min
